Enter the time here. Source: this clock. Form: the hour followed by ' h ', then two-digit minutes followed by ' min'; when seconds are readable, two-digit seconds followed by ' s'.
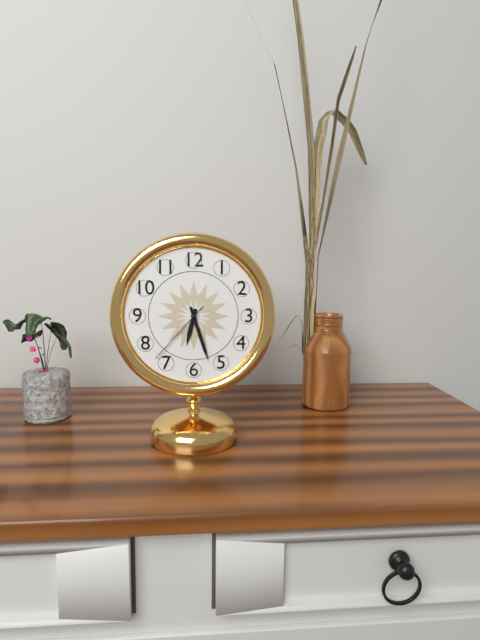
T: 6 h 27 min 37 s
